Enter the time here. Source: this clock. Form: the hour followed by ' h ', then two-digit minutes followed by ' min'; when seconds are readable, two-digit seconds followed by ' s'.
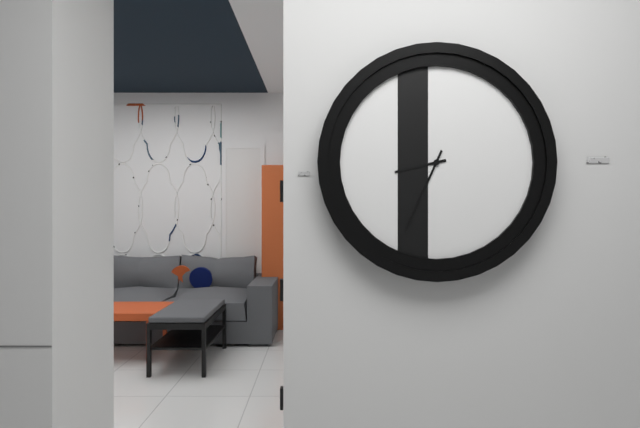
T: 8 h 34 min
